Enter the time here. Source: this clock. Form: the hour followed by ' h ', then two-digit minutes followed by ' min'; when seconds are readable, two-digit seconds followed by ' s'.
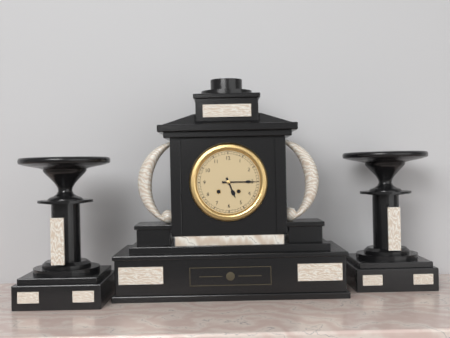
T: 5 h 15 min
